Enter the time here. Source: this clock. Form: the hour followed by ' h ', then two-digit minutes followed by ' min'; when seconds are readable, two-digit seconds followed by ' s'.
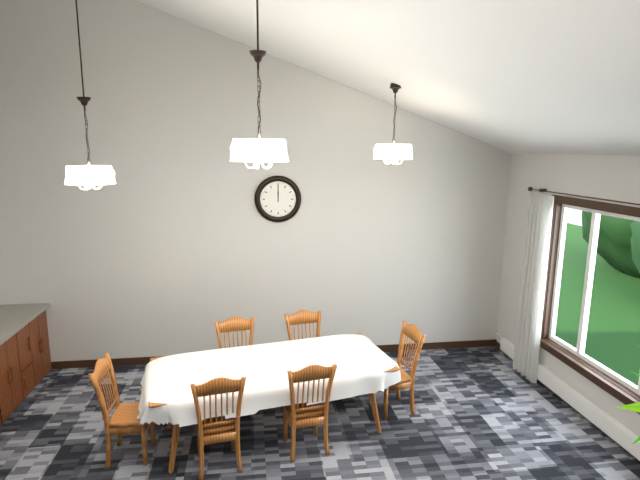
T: 12 h 00 min
